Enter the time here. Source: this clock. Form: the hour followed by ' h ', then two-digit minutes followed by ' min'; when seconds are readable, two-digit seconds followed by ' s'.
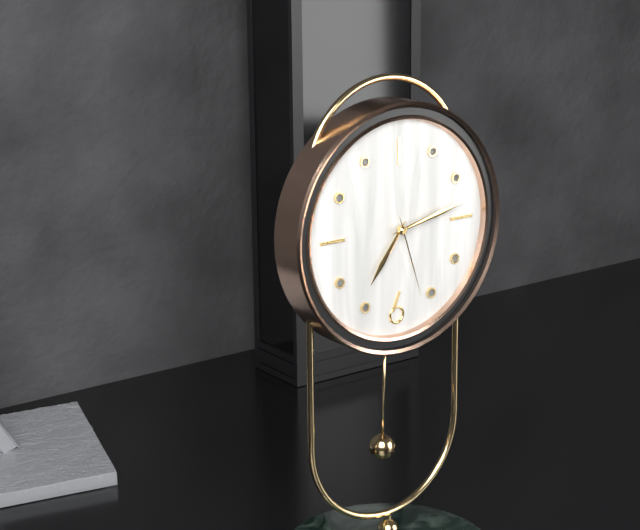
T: 7 h 13 min 27 s
